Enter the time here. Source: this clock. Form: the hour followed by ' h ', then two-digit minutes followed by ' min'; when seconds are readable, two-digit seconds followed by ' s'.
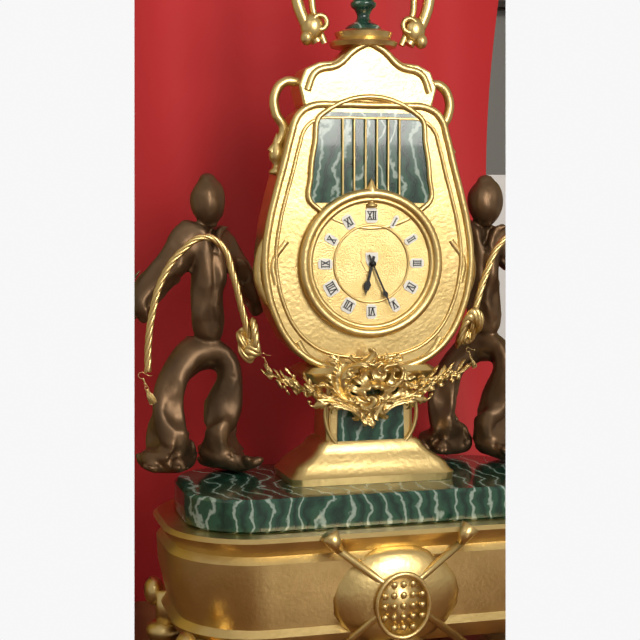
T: 6 h 26 min
